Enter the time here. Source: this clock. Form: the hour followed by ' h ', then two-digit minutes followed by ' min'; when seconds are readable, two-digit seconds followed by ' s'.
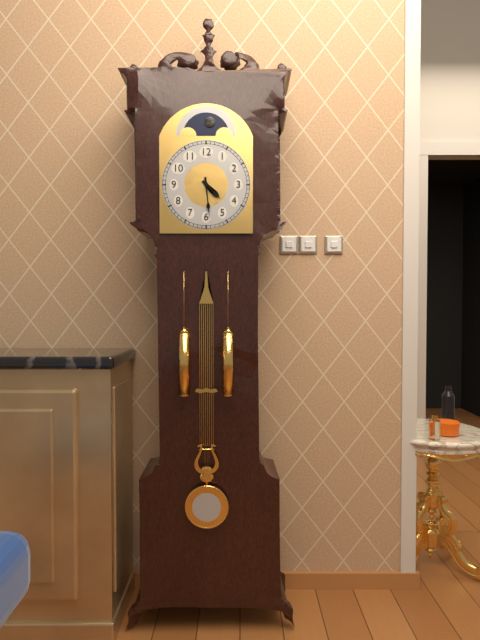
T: 4 h 29 min
